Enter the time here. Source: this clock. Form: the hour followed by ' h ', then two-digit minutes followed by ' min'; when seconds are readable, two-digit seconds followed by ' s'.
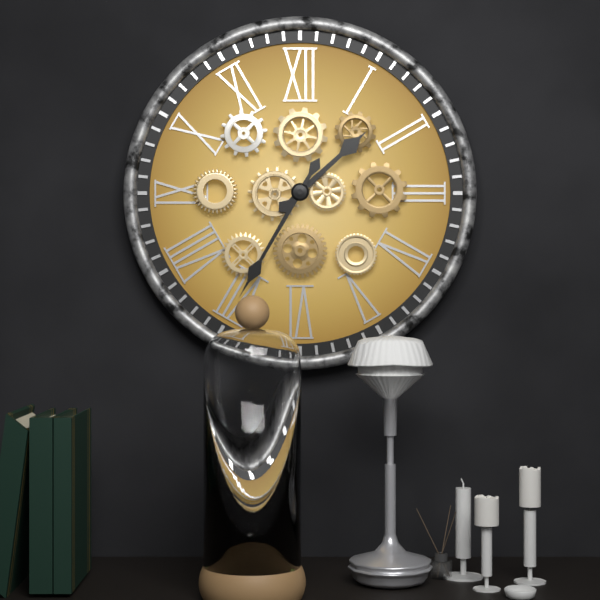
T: 1 h 35 min
